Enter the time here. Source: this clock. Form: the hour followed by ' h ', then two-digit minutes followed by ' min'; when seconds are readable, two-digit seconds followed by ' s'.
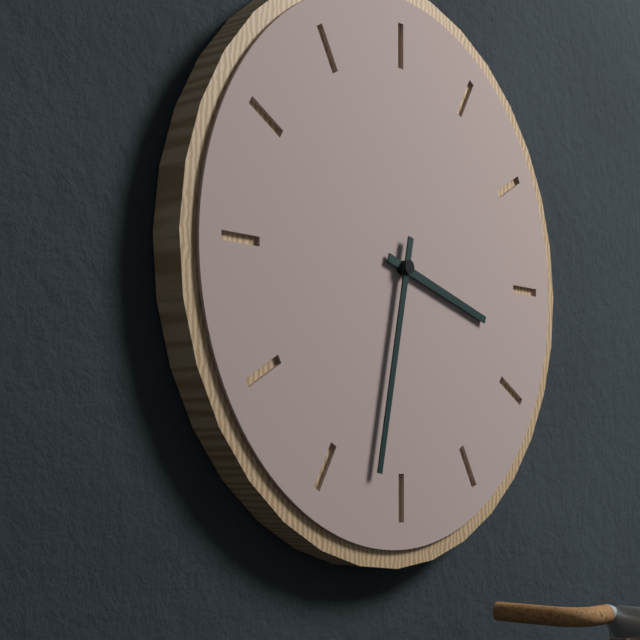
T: 3 h 32 min
